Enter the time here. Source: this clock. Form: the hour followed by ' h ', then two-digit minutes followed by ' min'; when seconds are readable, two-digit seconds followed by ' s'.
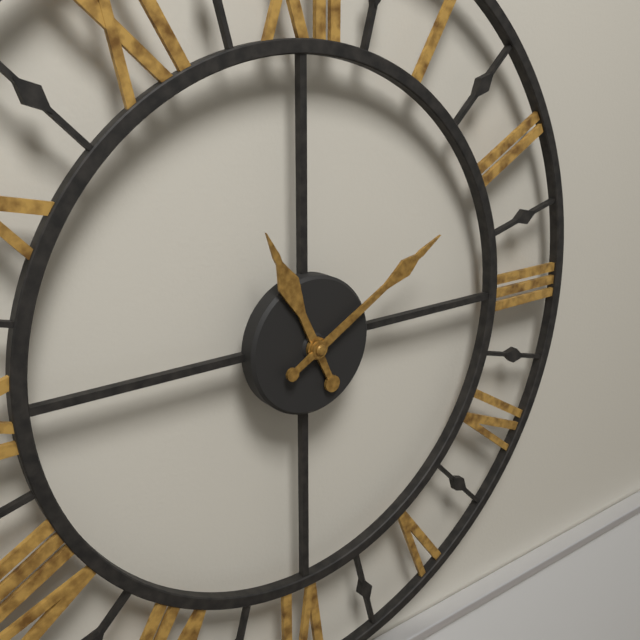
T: 11 h 10 min
